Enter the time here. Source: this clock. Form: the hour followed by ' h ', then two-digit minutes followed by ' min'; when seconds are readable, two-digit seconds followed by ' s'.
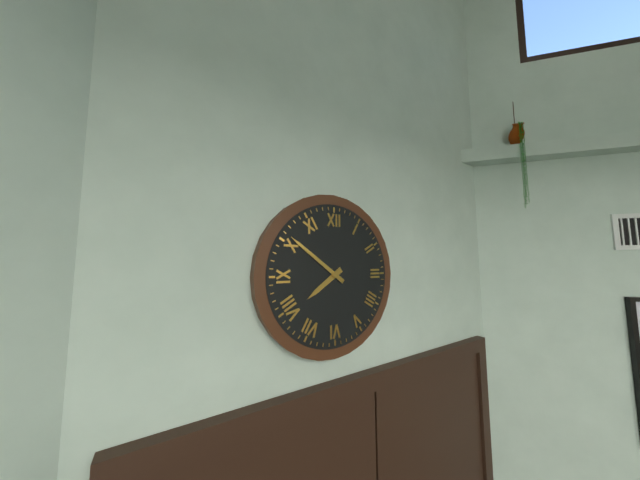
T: 7 h 51 min
